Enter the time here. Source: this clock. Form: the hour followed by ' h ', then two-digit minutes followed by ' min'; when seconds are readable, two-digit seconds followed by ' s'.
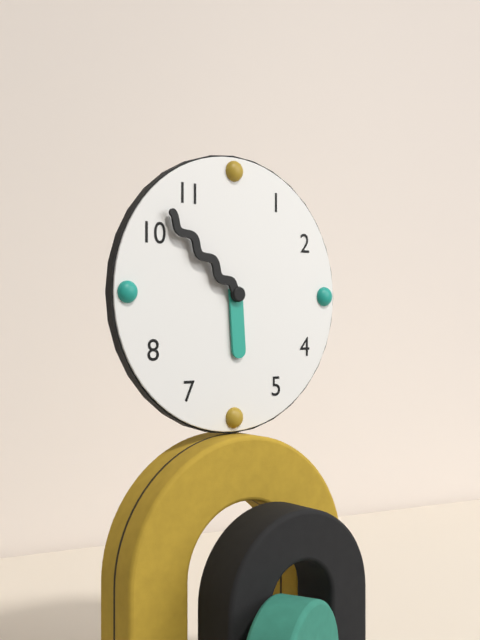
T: 5 h 52 min
